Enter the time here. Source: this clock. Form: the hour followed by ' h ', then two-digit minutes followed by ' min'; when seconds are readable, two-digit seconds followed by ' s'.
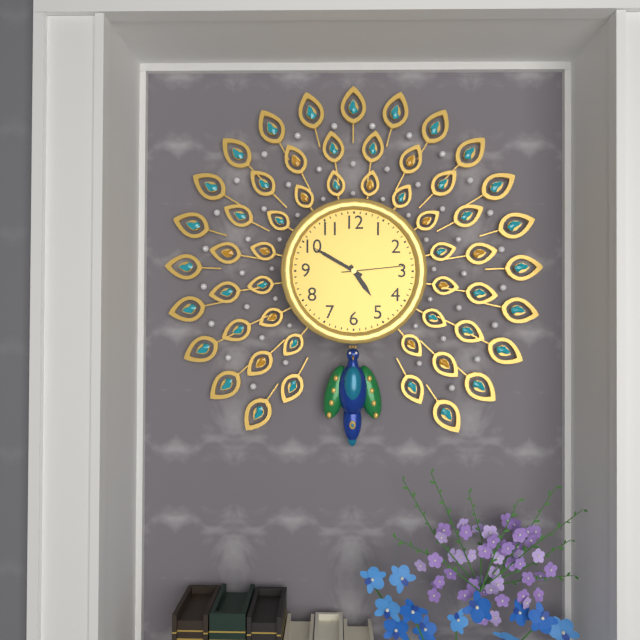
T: 4 h 50 min 14 s
